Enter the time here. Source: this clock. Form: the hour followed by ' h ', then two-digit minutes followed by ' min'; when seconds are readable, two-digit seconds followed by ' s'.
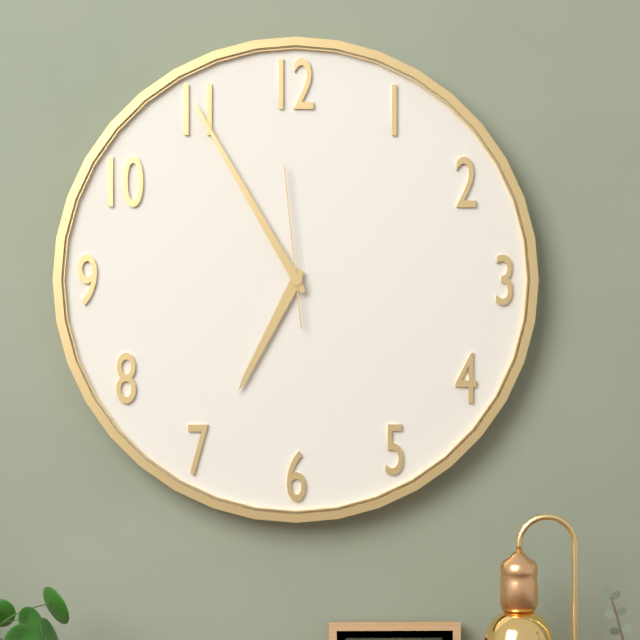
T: 6 h 55 min 59 s
